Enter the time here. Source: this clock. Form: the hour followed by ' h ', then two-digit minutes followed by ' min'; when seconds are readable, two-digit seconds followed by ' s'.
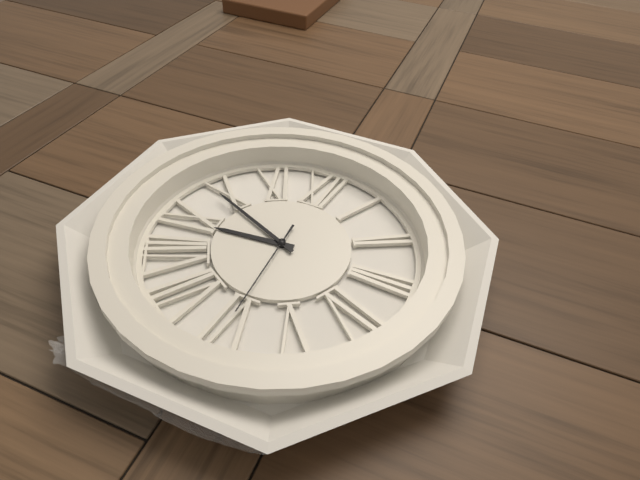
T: 8 h 49 min 30 s
